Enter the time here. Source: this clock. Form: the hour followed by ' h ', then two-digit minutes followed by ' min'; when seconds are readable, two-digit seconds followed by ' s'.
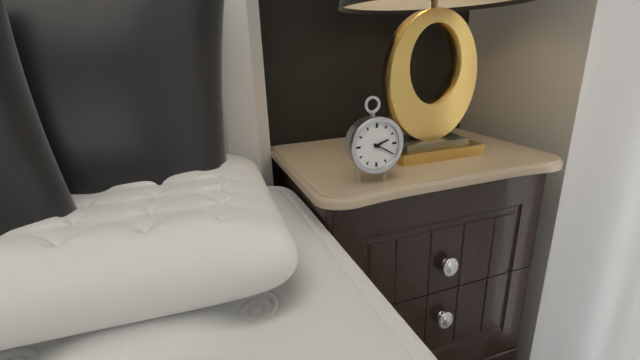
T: 2 h 20 min
